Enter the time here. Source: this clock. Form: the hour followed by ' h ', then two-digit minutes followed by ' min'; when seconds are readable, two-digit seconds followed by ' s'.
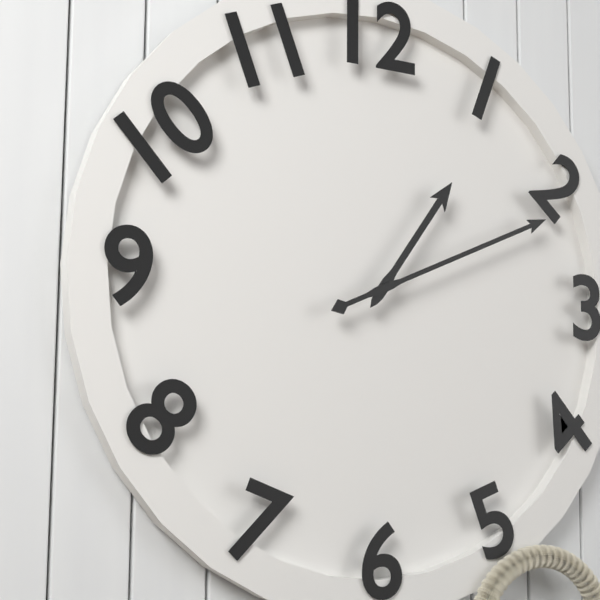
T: 1 h 11 min
